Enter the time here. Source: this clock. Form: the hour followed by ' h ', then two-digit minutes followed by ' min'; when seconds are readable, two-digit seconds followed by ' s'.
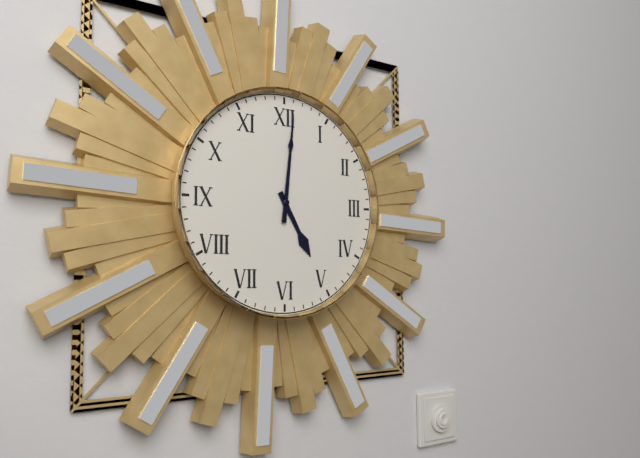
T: 5 h 01 min
